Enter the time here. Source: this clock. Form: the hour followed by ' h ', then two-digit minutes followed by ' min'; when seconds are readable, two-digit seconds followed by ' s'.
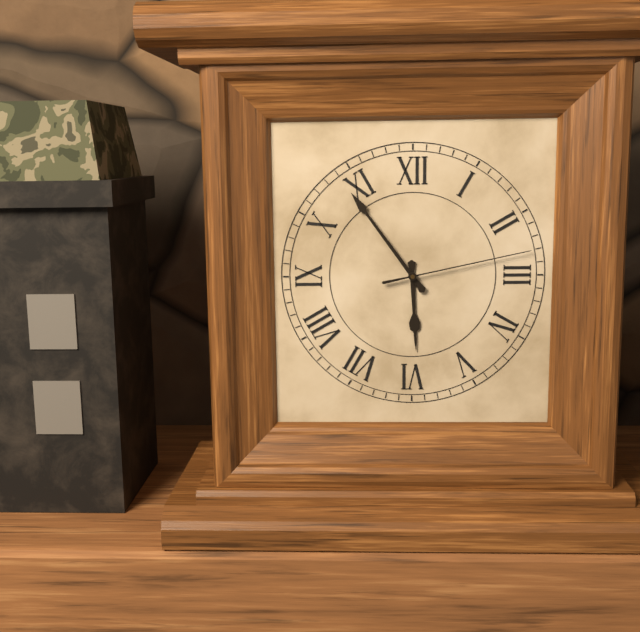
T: 5 h 54 min 13 s
